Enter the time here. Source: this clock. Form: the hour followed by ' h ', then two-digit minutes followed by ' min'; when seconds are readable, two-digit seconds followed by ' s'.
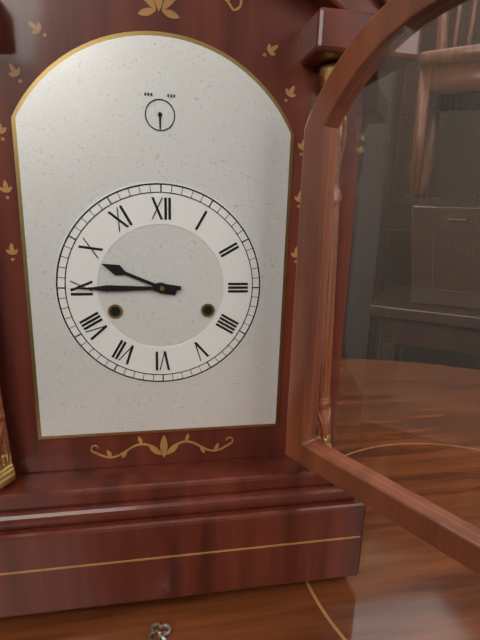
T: 9 h 45 min
